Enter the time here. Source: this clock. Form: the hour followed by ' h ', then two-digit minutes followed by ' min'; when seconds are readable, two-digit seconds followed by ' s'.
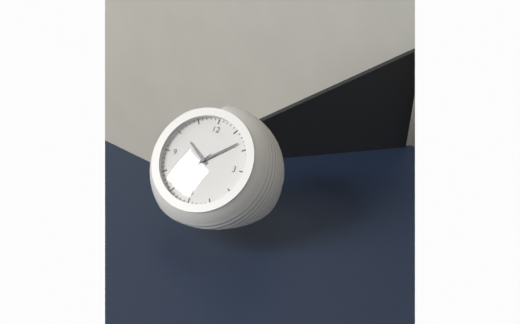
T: 10 h 08 min 36 s
